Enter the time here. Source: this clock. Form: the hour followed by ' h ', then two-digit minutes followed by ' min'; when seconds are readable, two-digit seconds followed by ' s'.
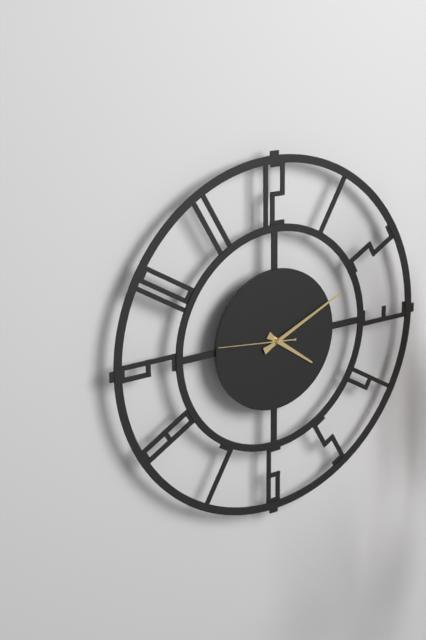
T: 4 h 11 min 46 s
